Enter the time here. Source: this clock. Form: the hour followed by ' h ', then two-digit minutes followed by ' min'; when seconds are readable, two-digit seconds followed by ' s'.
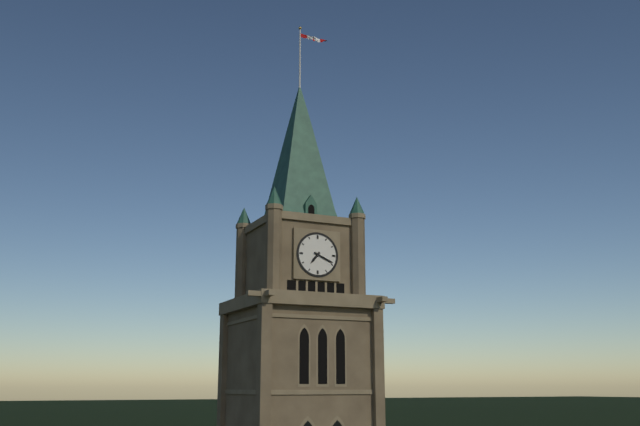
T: 7 h 19 min
